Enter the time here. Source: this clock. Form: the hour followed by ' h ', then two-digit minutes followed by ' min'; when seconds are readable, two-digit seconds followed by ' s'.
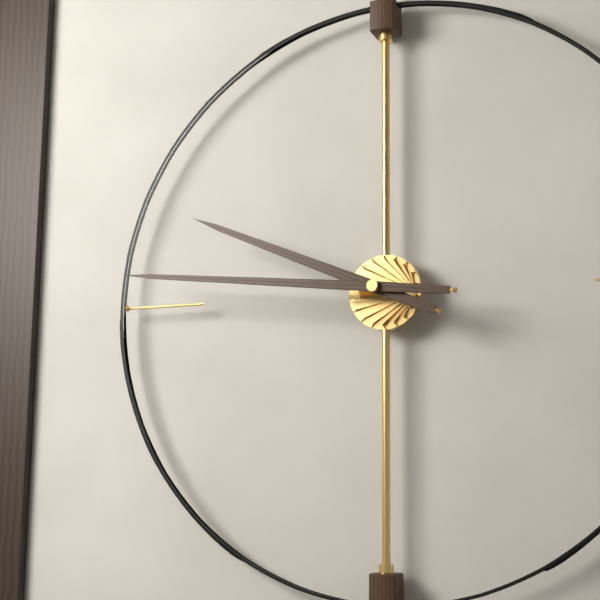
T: 9 h 46 min
